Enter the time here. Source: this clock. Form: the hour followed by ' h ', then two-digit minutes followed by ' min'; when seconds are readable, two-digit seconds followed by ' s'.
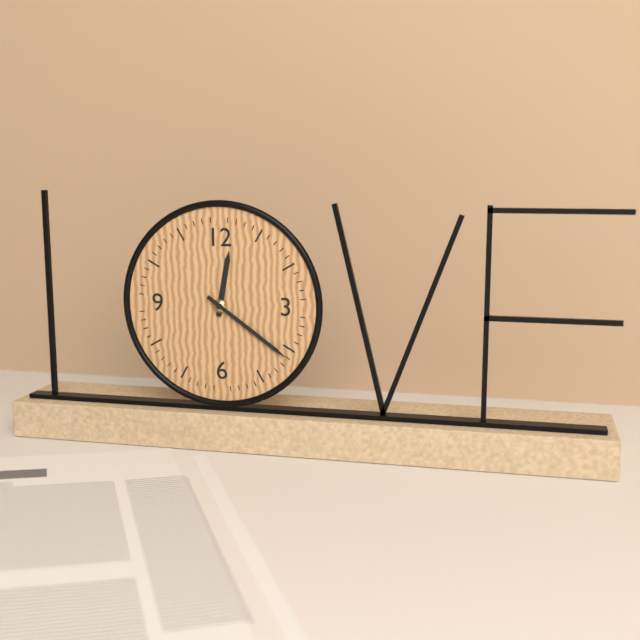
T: 12 h 21 min
